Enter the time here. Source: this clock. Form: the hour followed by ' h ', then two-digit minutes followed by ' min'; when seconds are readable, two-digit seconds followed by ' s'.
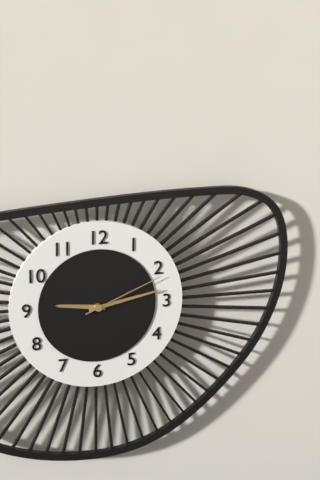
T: 9 h 13 min 11 s
